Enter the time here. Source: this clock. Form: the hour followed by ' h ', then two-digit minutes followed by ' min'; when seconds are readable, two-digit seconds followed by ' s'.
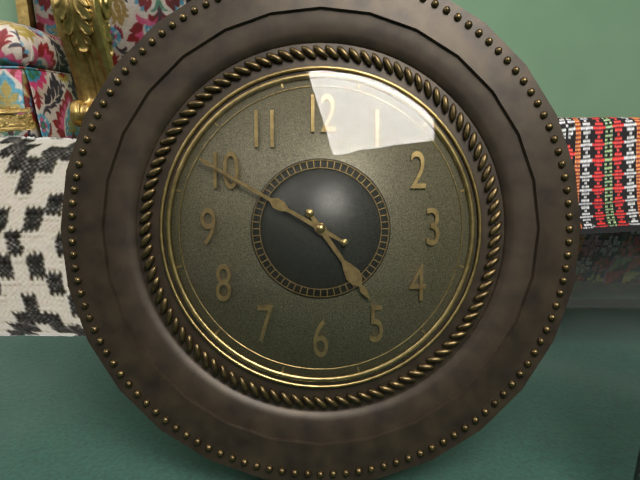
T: 4 h 50 min
